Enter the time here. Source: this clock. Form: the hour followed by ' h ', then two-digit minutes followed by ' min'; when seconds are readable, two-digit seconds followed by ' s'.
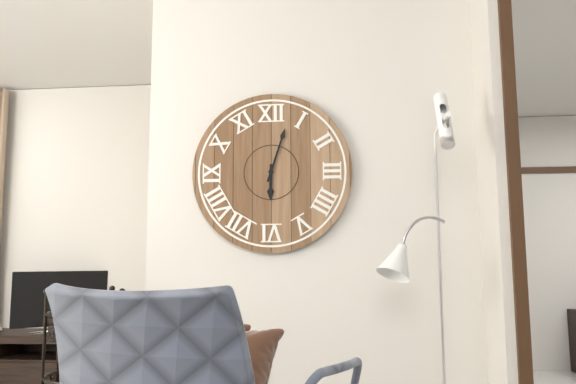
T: 6 h 03 min
